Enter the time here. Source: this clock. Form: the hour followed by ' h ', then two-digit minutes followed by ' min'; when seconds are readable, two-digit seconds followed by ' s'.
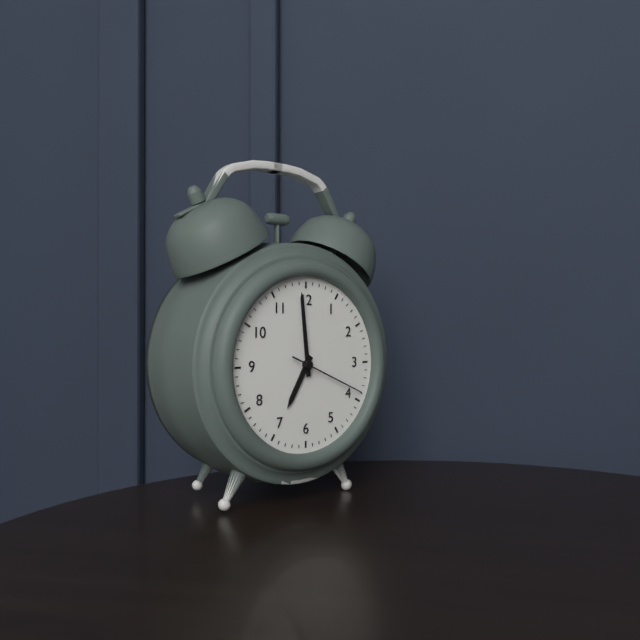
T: 6 h 59 min 19 s
